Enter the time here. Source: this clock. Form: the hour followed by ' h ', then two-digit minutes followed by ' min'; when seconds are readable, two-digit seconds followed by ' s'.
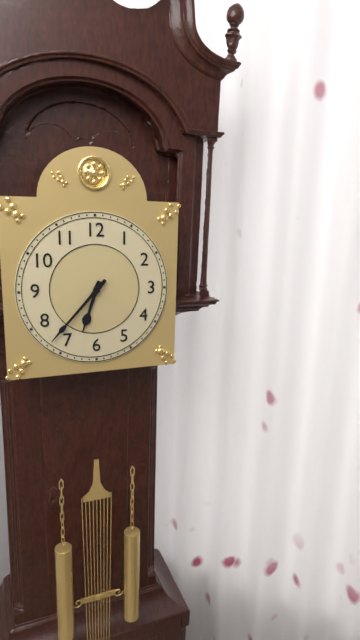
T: 6 h 37 min
